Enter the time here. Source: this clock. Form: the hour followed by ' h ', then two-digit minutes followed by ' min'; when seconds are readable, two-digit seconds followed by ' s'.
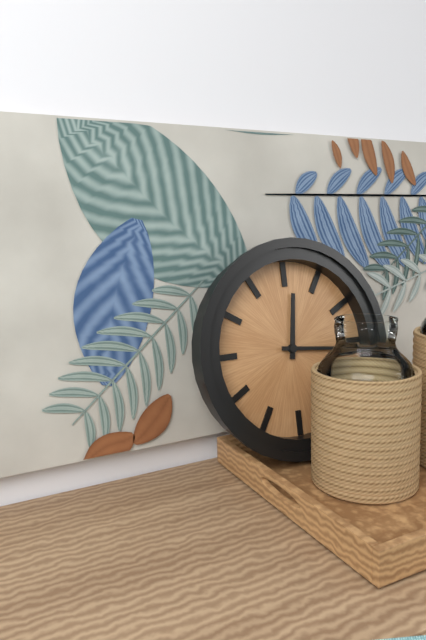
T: 12 h 16 min
